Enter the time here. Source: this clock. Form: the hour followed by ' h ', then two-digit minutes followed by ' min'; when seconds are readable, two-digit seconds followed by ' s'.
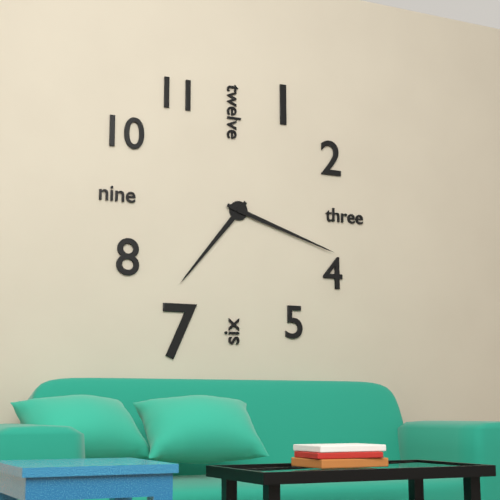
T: 7 h 18 min
